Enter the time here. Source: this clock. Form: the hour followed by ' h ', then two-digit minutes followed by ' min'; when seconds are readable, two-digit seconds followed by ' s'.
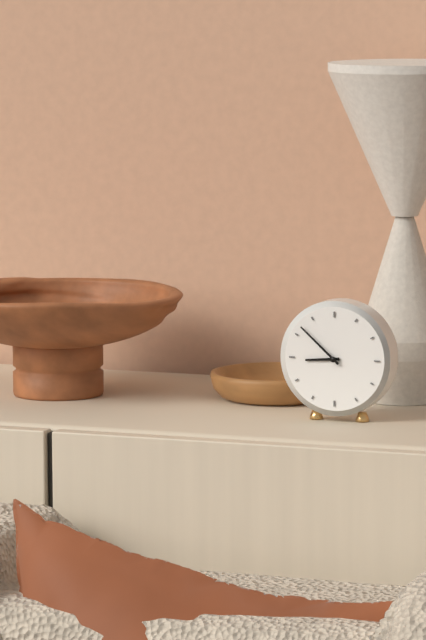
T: 8 h 52 min
